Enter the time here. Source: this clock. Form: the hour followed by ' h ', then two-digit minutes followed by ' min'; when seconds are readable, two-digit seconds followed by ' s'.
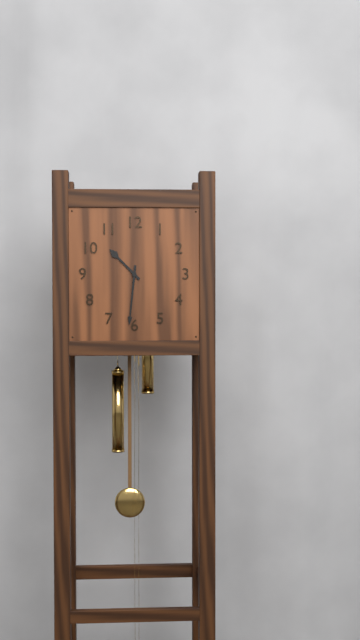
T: 10 h 31 min
